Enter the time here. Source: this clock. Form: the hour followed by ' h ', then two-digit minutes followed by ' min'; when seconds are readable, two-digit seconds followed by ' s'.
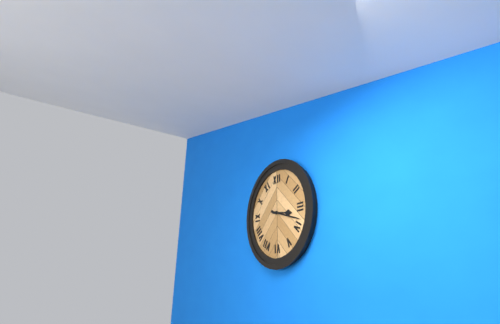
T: 3 h 18 min
